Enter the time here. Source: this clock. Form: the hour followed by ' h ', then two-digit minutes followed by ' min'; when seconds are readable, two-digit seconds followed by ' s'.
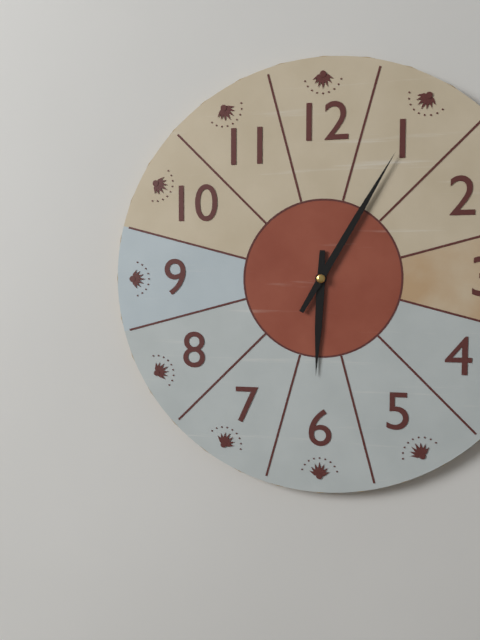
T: 6 h 05 min
